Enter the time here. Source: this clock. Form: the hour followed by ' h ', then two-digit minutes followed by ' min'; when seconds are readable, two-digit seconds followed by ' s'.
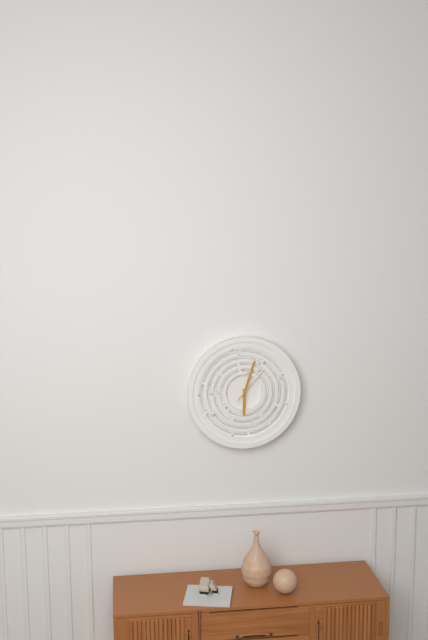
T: 6 h 03 min
